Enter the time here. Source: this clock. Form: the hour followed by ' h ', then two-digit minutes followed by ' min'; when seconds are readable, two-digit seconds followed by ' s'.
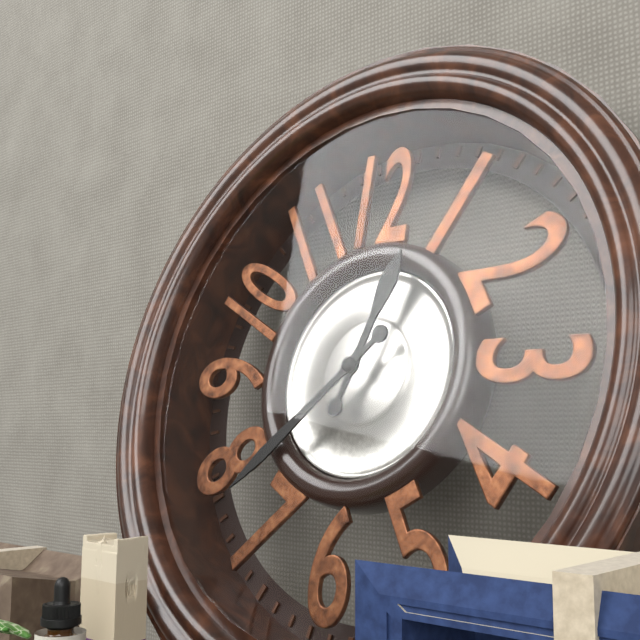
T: 12 h 38 min
